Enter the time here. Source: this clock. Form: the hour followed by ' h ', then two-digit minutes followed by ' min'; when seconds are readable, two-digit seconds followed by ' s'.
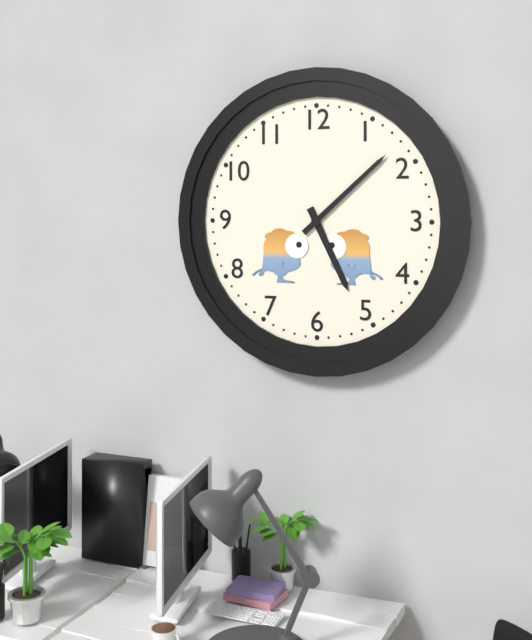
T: 5 h 08 min
